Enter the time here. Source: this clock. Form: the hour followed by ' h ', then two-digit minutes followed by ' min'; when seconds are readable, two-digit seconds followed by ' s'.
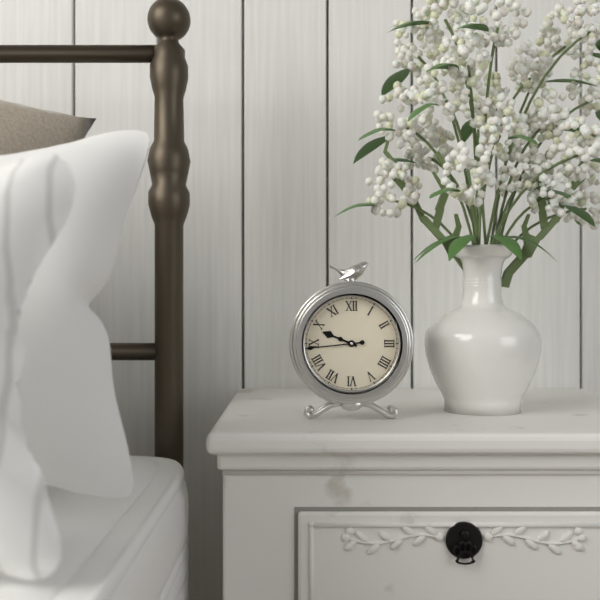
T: 9 h 44 min
